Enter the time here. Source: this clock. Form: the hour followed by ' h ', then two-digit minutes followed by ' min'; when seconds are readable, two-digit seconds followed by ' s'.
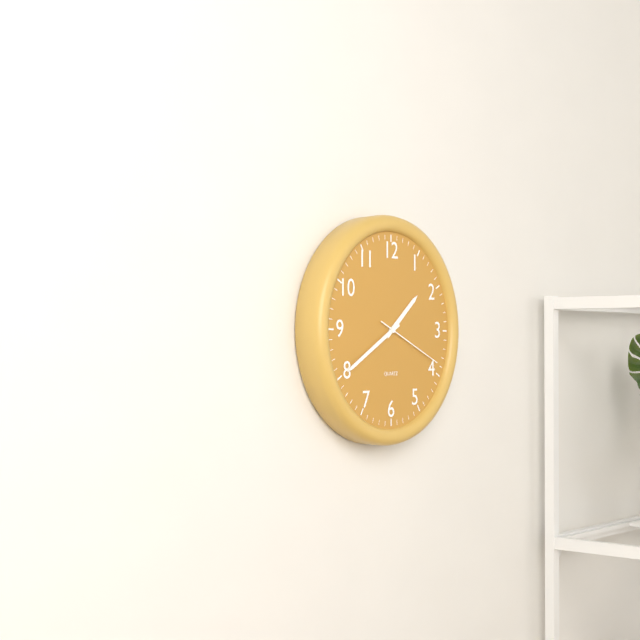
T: 1 h 40 min 19 s
